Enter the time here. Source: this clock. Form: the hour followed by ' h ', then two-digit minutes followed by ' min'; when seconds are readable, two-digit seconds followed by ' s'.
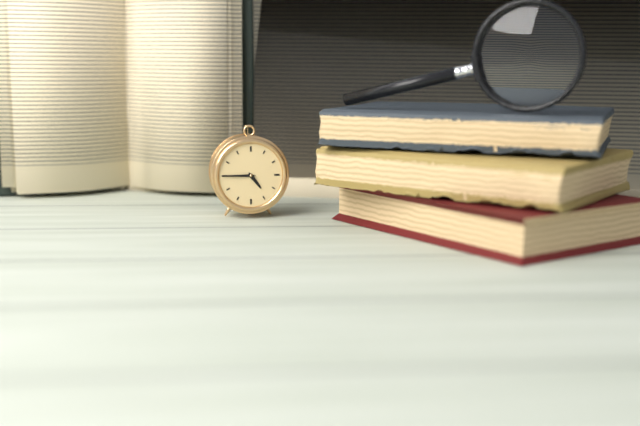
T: 4 h 45 min
